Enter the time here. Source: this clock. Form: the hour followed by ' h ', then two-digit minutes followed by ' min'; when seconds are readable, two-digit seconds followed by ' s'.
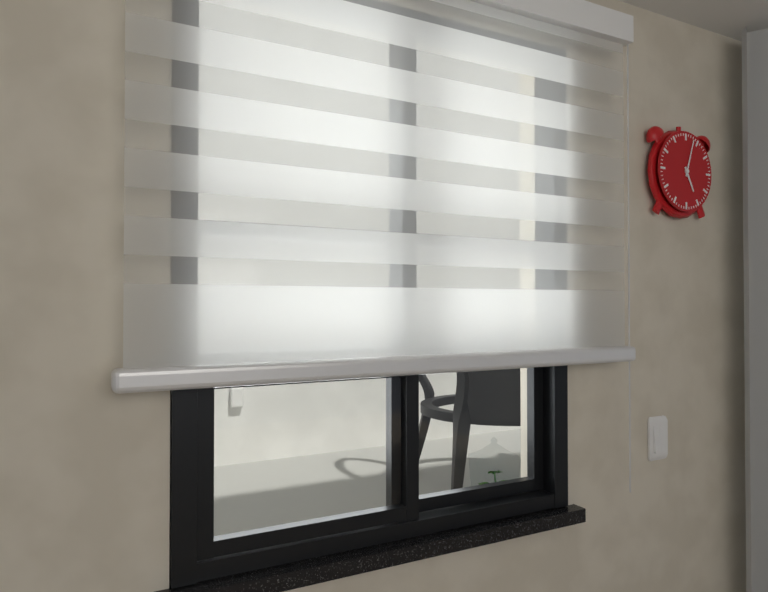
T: 5 h 03 min
